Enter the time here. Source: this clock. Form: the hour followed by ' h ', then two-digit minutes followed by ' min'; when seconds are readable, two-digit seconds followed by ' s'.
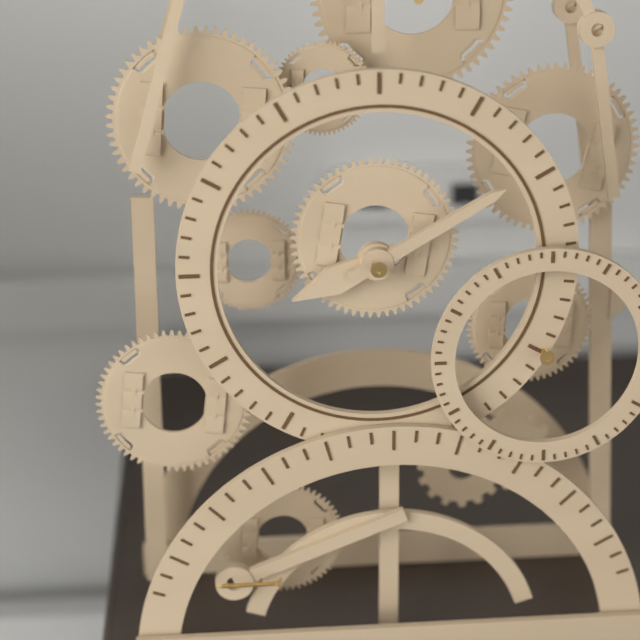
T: 8 h 10 min
